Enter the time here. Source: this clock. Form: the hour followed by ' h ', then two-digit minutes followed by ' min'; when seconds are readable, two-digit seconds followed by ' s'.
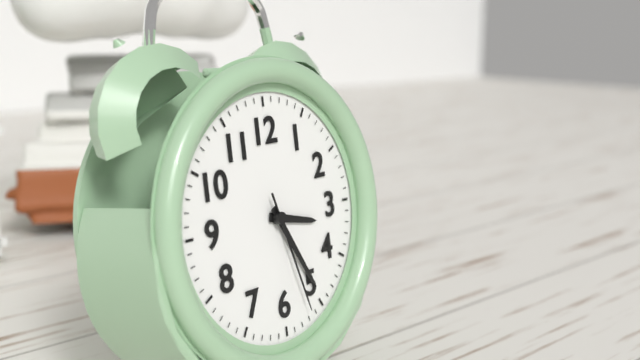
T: 3 h 25 min 27 s
